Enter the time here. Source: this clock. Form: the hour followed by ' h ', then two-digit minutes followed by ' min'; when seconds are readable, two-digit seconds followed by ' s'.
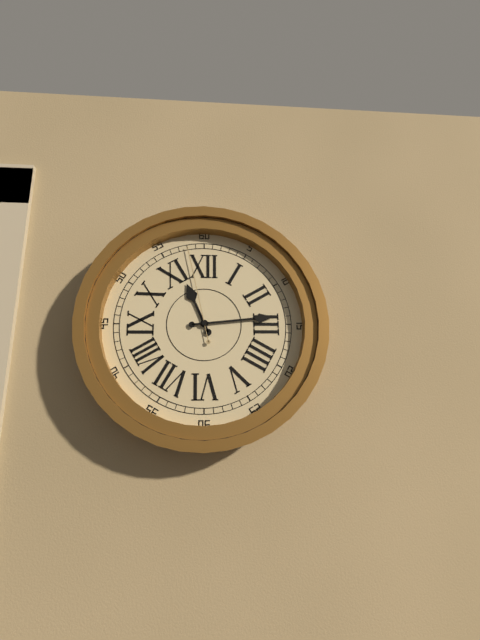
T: 11 h 14 min 58 s
